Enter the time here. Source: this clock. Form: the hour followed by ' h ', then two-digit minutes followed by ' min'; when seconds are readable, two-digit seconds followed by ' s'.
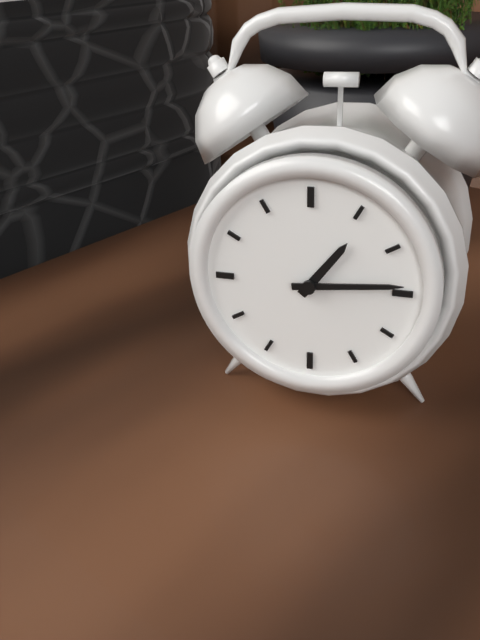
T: 1 h 14 min
